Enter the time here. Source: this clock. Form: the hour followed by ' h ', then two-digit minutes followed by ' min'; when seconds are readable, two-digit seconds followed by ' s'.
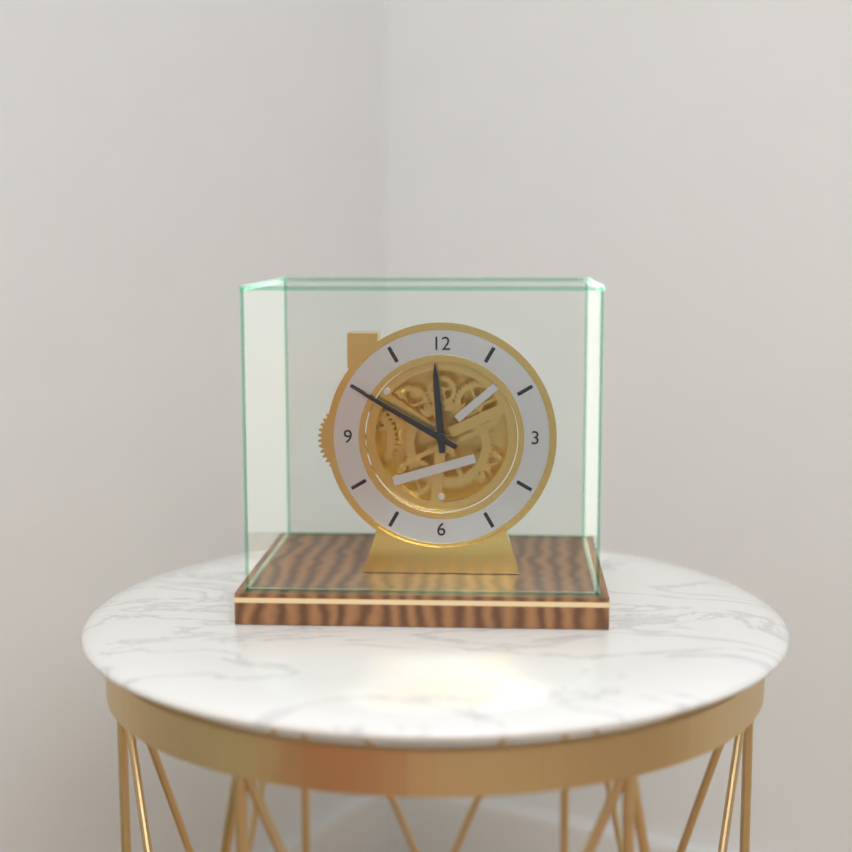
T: 11 h 50 min
